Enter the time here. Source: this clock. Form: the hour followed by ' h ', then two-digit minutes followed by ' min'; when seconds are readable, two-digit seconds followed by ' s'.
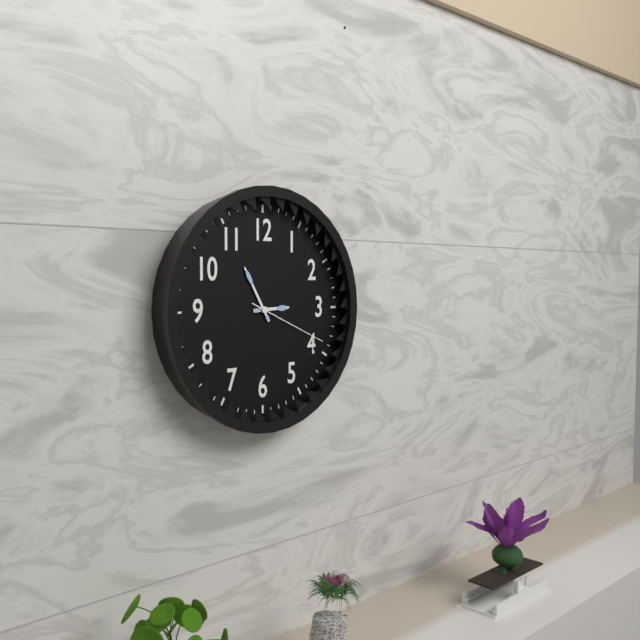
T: 2 h 55 min 19 s
